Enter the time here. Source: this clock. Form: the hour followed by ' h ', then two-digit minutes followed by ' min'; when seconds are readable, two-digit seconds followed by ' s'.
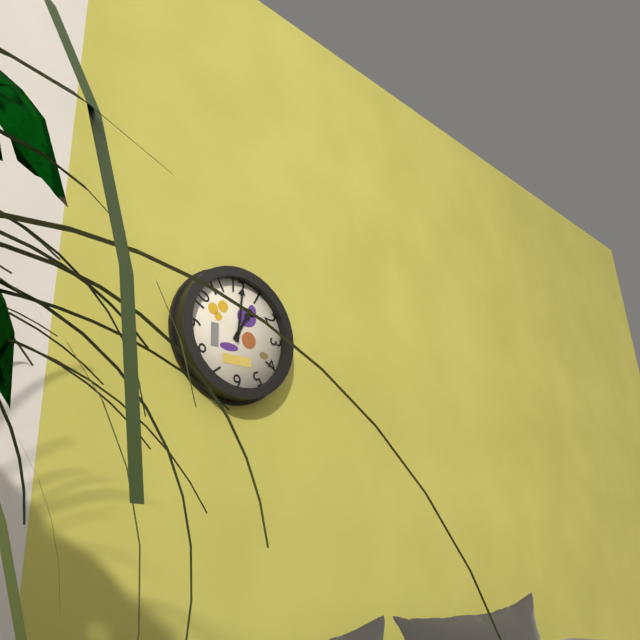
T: 1 h 01 min
